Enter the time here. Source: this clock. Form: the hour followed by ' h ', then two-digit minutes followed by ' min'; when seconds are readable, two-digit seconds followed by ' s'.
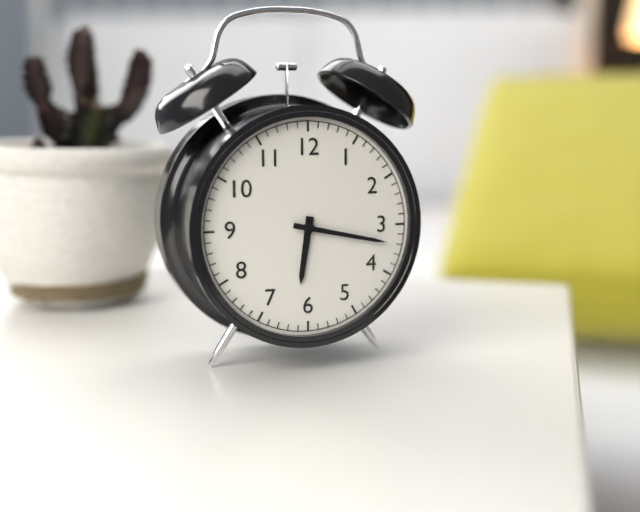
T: 6 h 17 min
